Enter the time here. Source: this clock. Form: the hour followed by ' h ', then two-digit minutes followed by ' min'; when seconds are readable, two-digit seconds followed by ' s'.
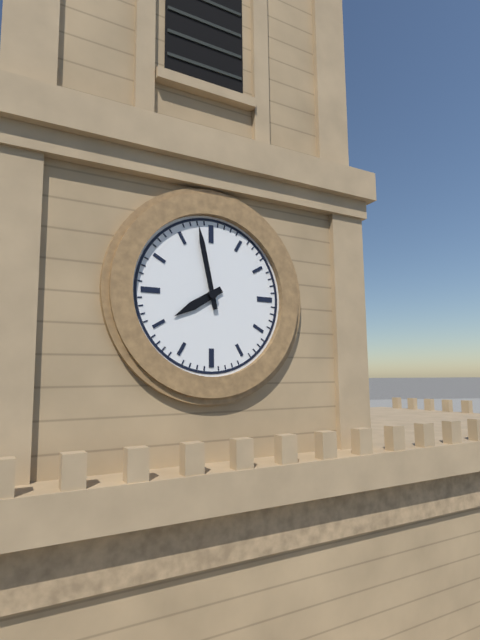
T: 7 h 58 min
